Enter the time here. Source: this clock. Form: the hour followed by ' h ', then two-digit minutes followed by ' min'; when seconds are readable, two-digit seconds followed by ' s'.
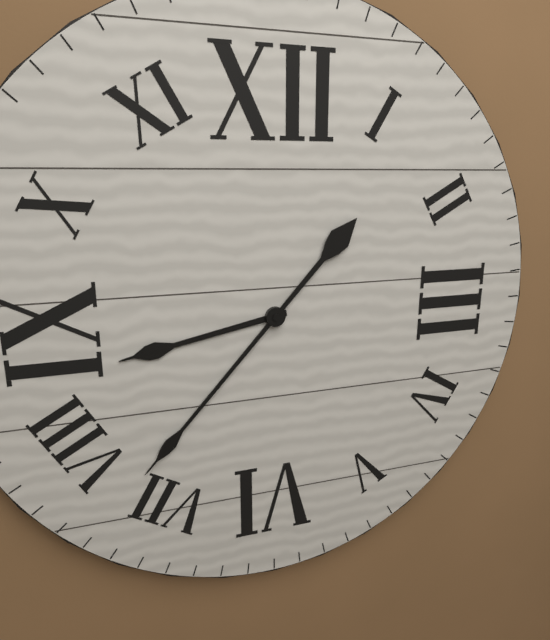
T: 8 h 37 min
